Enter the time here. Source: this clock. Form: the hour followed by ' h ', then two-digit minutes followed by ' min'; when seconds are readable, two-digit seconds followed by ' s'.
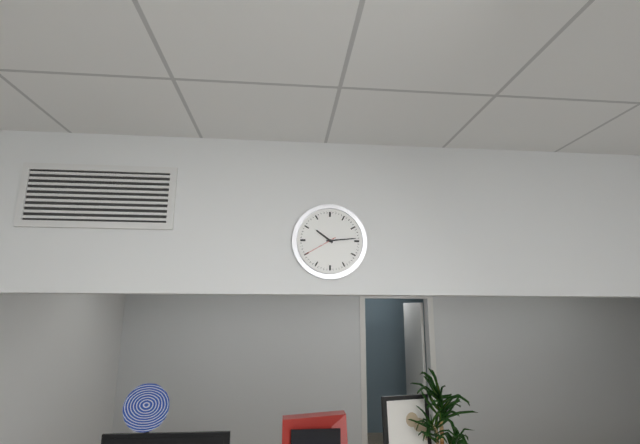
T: 10 h 14 min
